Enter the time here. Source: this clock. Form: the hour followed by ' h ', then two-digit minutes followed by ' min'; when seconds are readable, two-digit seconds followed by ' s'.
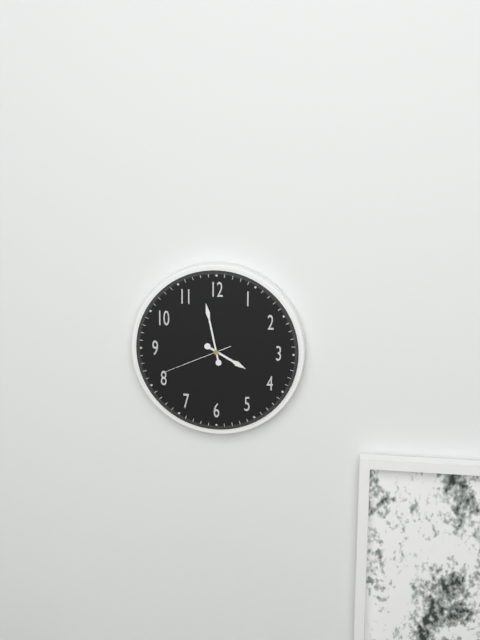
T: 3 h 58 min 41 s
